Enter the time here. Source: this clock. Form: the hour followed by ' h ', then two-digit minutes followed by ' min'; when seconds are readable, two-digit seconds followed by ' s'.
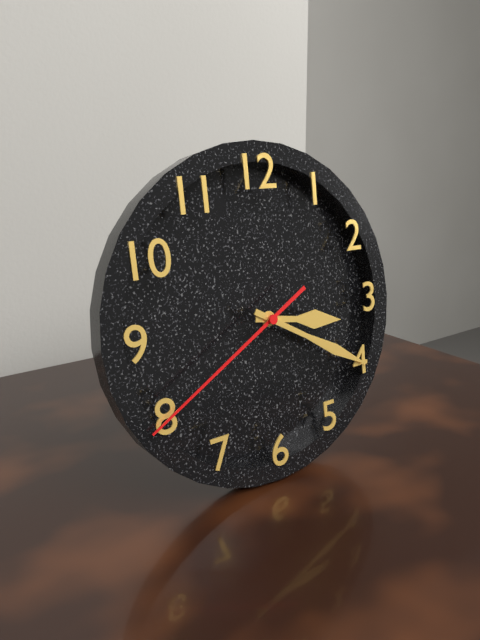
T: 3 h 20 min 40 s
